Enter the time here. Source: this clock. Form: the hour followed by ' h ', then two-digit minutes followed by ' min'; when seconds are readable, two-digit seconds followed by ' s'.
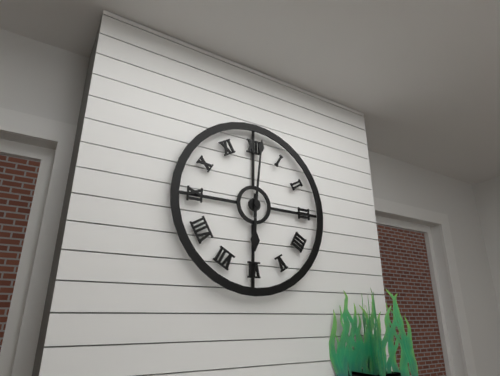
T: 6 h 01 min
